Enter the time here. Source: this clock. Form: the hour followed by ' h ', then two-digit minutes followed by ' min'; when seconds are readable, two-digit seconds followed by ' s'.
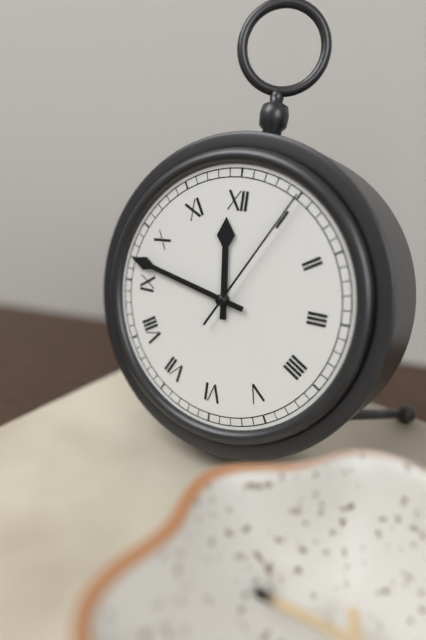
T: 11 h 47 min 05 s
